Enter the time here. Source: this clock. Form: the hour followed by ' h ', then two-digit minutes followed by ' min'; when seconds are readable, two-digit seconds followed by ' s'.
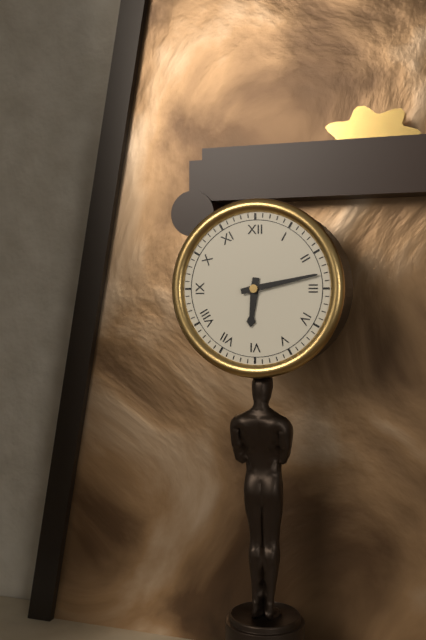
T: 6 h 13 min
